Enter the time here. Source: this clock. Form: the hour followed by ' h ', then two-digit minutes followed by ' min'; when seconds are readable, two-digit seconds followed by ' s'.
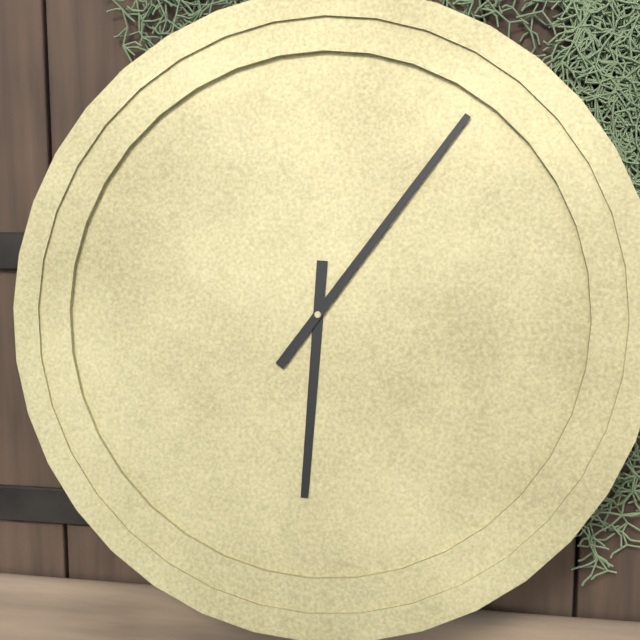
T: 6 h 06 min
